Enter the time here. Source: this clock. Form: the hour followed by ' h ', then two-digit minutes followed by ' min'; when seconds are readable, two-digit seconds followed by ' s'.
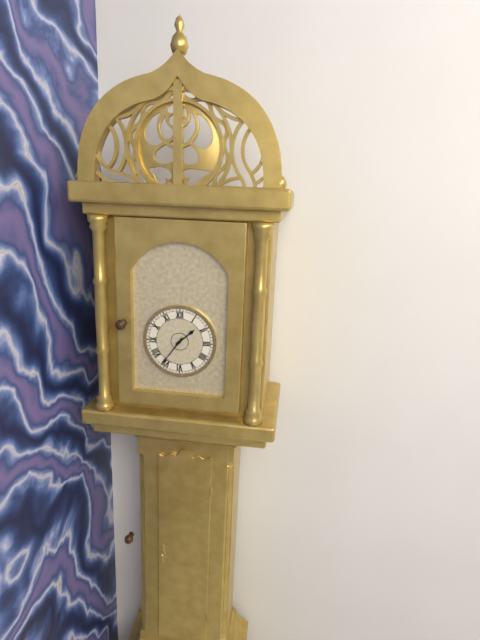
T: 1 h 36 min
